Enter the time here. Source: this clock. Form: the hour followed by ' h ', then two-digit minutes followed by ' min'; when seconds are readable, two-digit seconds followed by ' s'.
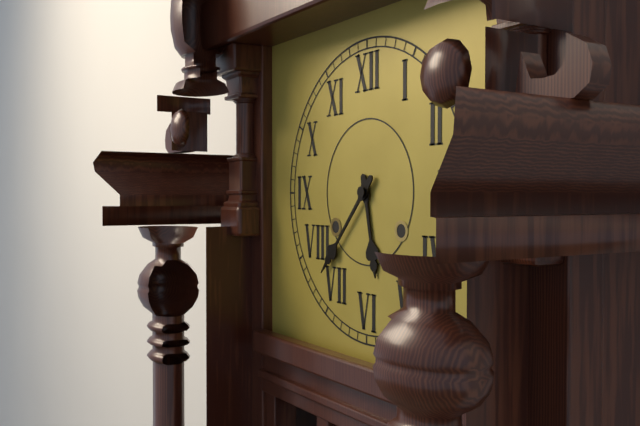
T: 5 h 37 min
